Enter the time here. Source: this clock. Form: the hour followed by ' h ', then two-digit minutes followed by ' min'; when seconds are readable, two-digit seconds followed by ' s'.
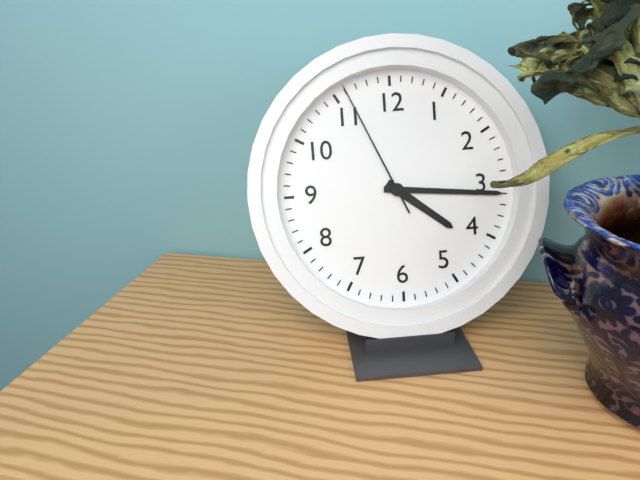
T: 4 h 16 min 56 s
